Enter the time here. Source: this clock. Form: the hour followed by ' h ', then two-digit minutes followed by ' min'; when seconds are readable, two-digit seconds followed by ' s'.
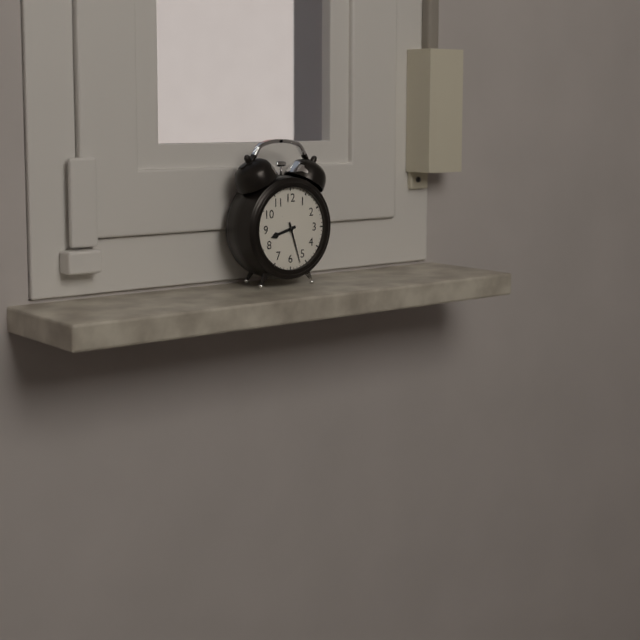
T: 8 h 27 min
